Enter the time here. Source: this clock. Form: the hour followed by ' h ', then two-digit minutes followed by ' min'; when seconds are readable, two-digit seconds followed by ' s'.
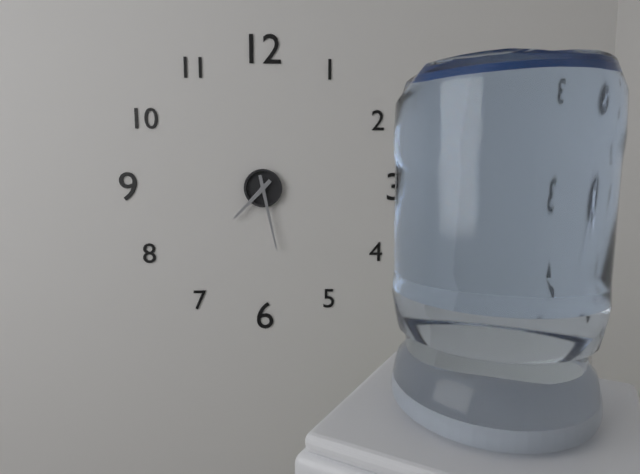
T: 7 h 28 min
